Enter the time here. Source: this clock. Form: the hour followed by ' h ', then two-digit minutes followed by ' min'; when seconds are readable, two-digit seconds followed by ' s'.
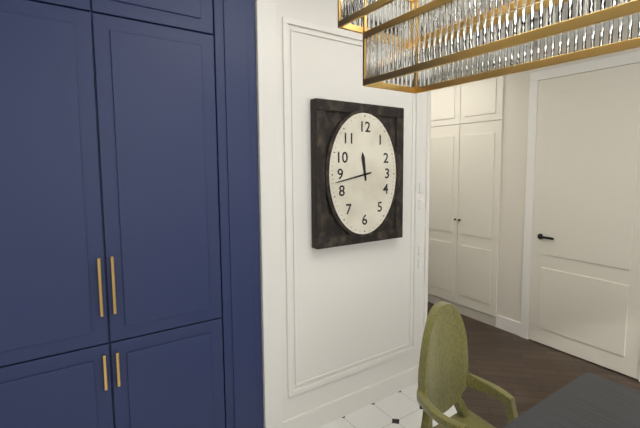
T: 11 h 43 min
